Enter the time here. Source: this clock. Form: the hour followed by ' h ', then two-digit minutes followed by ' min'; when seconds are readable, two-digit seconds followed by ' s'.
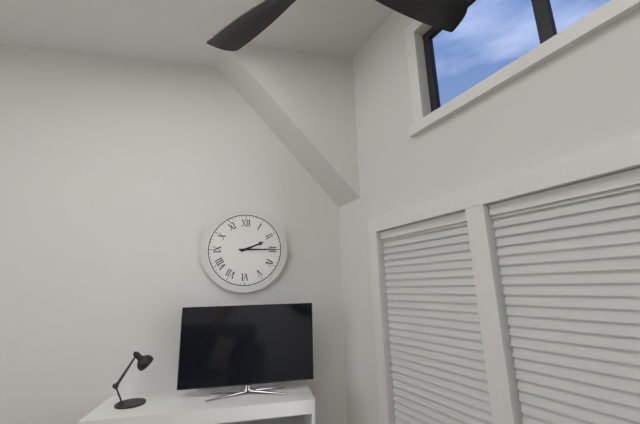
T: 2 h 15 min
